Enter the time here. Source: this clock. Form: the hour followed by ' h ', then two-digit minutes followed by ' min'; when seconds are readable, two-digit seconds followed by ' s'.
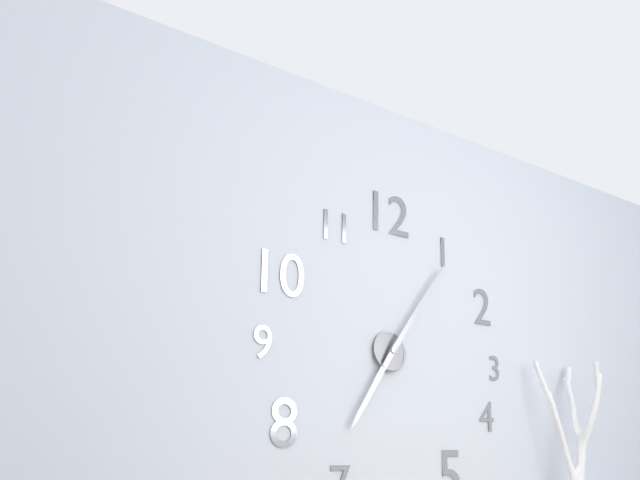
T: 7 h 06 min
